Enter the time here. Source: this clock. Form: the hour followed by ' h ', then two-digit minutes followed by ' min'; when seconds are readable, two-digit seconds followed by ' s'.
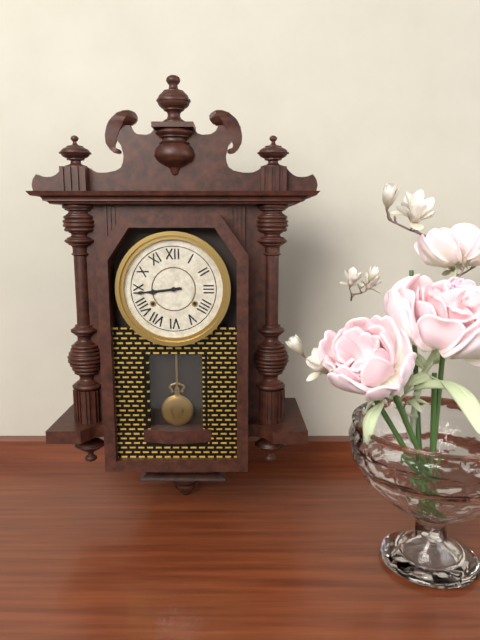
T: 8 h 44 min
